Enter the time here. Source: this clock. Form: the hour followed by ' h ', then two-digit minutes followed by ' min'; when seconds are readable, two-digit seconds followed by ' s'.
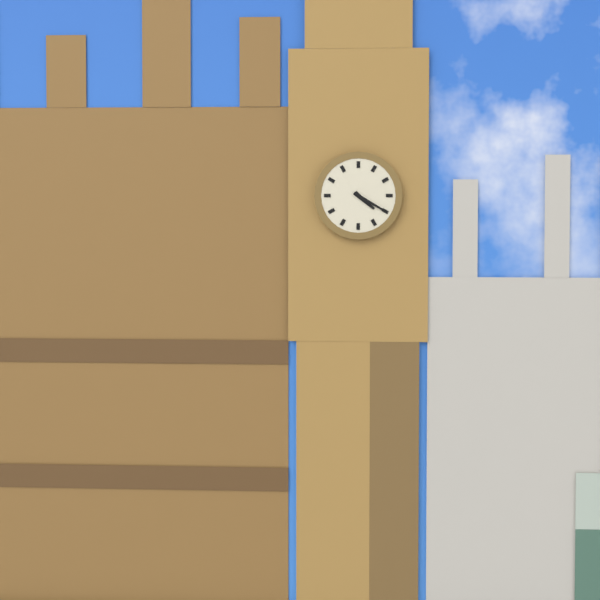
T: 4 h 20 min
